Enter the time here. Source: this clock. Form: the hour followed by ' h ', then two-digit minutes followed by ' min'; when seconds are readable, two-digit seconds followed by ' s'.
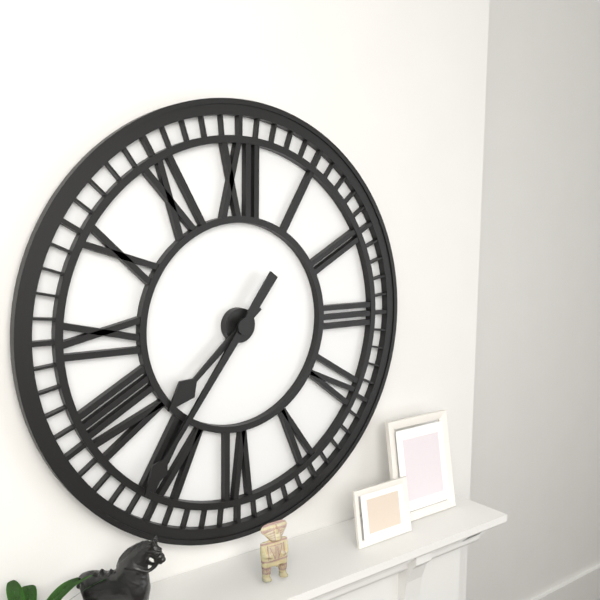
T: 7 h 36 min
